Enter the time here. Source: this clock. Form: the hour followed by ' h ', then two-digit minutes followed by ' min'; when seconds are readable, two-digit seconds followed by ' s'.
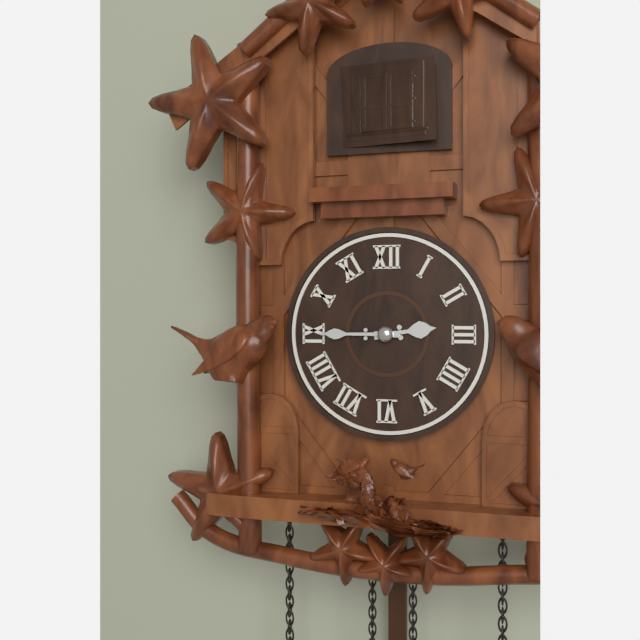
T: 2 h 45 min
